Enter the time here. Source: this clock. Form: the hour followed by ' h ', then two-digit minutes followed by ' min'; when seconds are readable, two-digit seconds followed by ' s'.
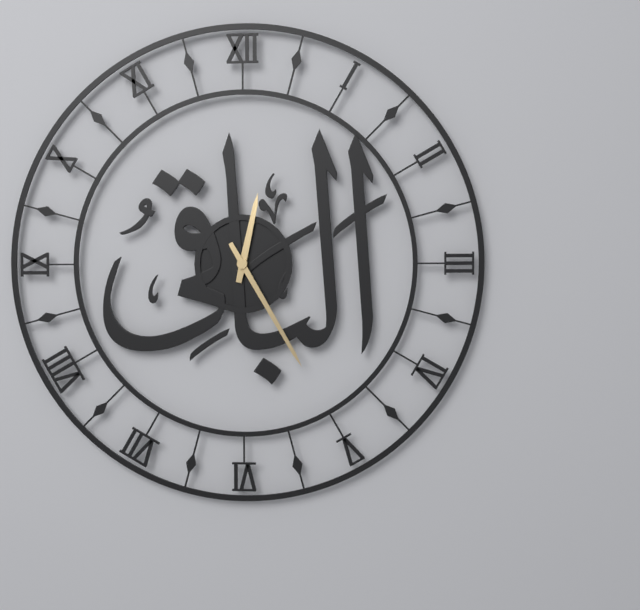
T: 12 h 25 min
